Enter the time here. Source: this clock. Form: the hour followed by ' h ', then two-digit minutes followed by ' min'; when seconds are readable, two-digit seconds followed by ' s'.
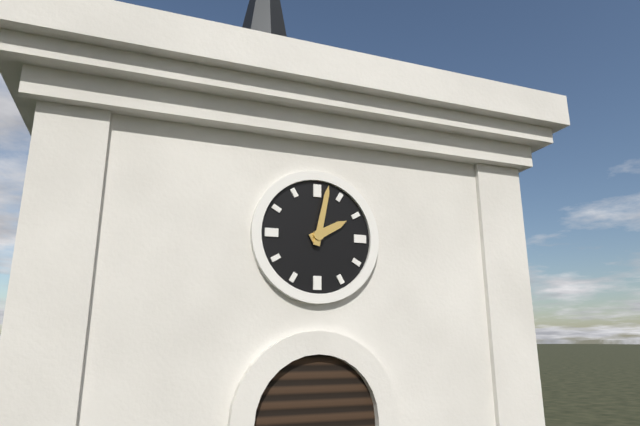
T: 2 h 02 min
